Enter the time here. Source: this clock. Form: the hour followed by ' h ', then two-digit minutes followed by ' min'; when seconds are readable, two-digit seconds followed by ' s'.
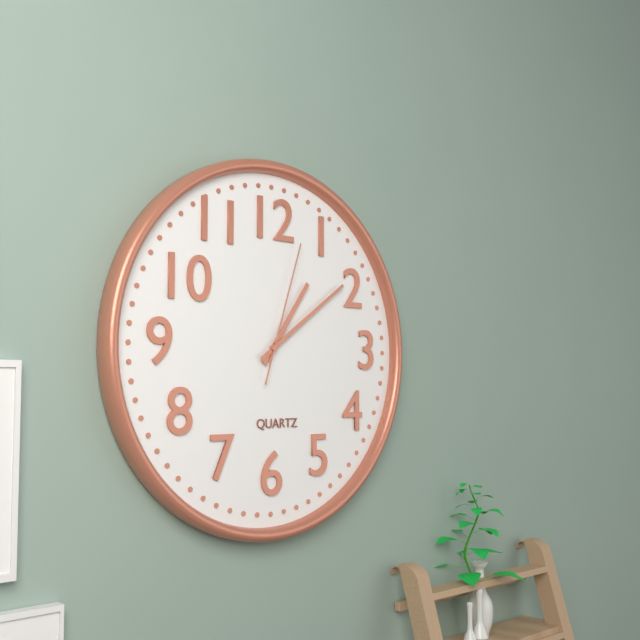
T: 1 h 09 min 03 s
